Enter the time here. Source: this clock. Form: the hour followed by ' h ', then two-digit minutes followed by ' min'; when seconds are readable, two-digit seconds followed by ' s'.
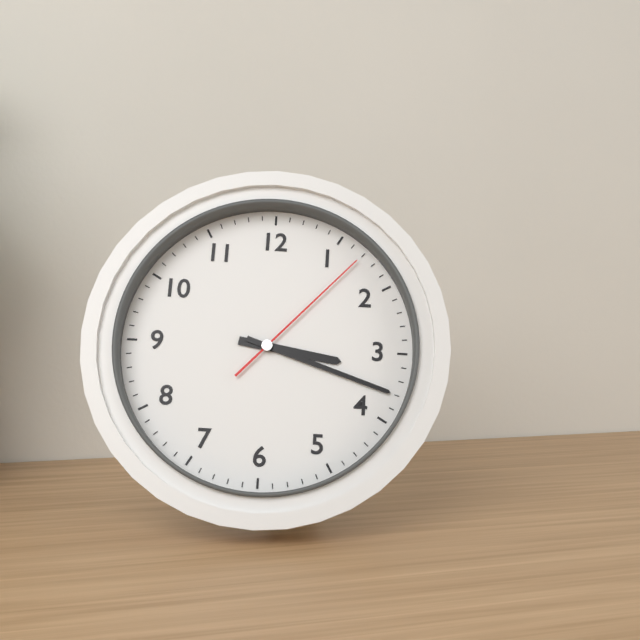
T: 3 h 18 min 07 s
